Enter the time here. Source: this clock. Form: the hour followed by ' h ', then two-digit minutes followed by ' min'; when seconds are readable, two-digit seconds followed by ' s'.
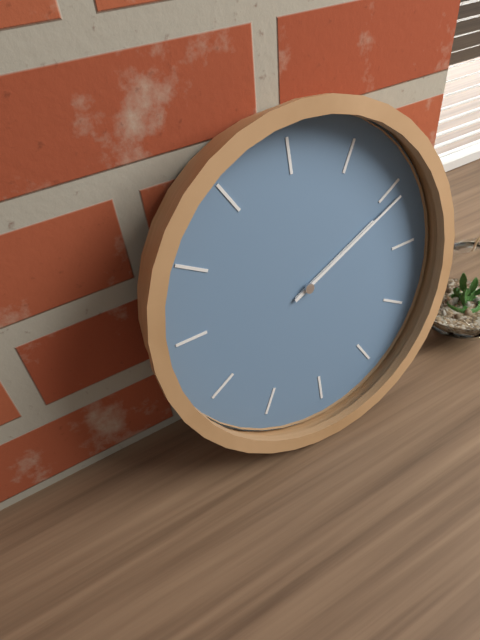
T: 2 h 11 min
